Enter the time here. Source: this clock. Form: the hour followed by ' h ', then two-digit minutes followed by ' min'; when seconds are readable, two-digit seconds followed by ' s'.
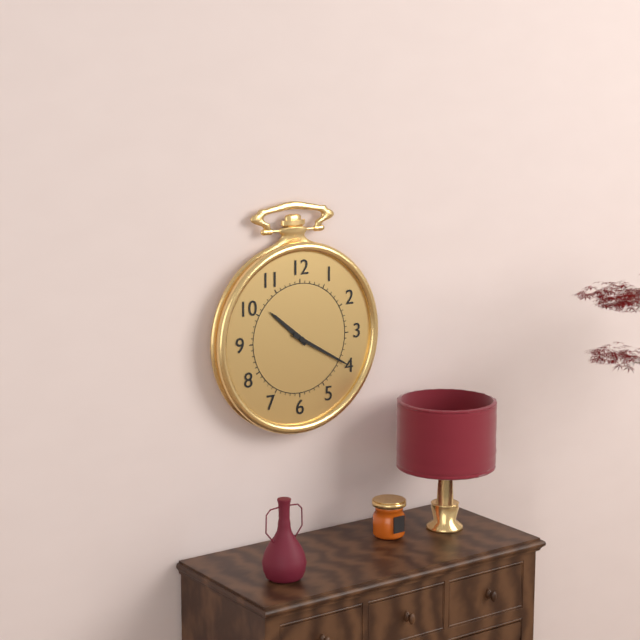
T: 10 h 20 min
